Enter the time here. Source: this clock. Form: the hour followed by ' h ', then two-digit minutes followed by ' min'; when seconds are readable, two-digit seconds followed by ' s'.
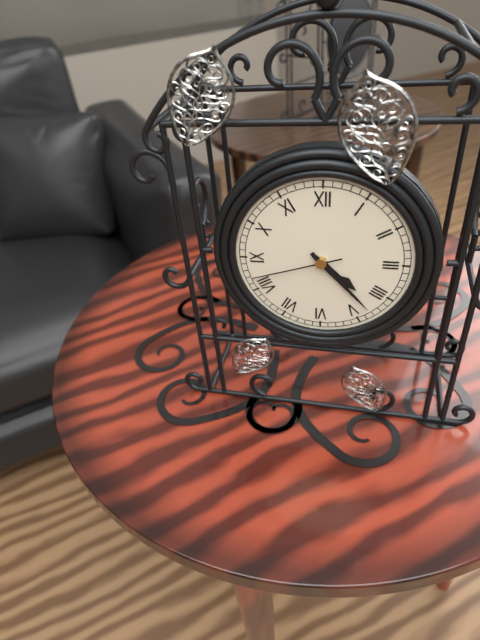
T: 4 h 23 min 42 s
